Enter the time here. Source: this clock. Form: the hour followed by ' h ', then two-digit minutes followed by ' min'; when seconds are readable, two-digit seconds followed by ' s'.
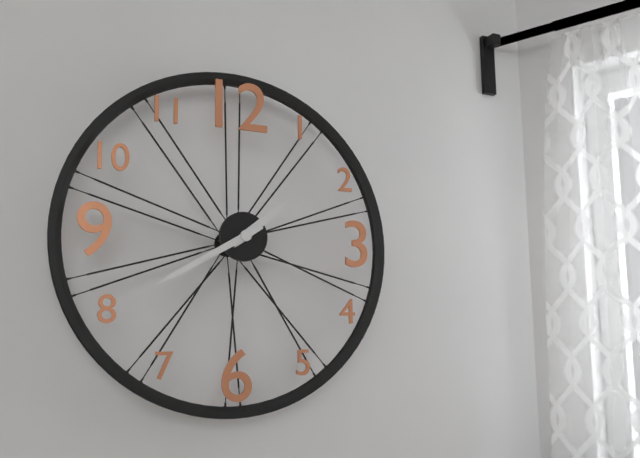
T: 1 h 40 min
